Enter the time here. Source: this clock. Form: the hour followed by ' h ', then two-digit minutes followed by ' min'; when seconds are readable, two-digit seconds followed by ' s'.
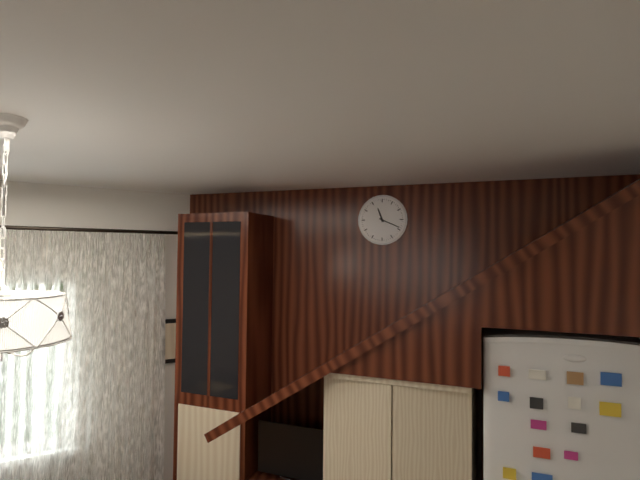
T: 11 h 19 min
